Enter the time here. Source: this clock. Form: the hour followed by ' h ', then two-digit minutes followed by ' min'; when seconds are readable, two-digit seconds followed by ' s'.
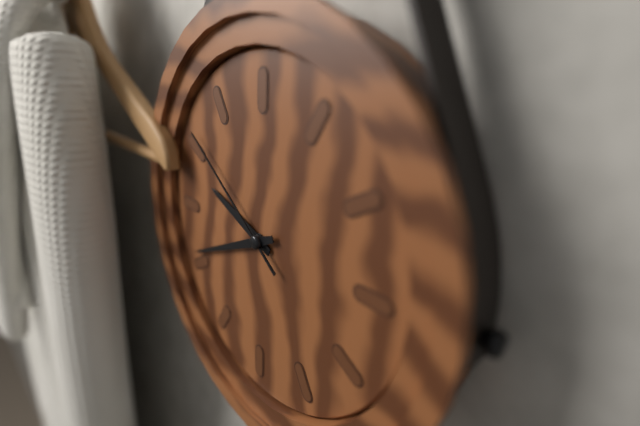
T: 9 h 41 min 51 s
